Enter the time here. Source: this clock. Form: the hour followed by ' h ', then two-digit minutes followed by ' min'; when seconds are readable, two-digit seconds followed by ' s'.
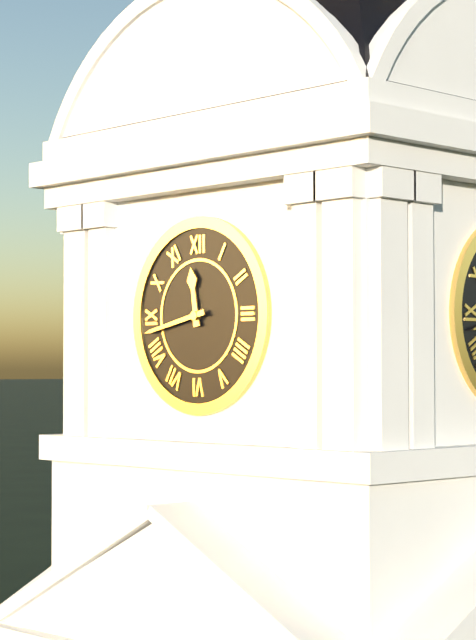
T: 11 h 43 min
